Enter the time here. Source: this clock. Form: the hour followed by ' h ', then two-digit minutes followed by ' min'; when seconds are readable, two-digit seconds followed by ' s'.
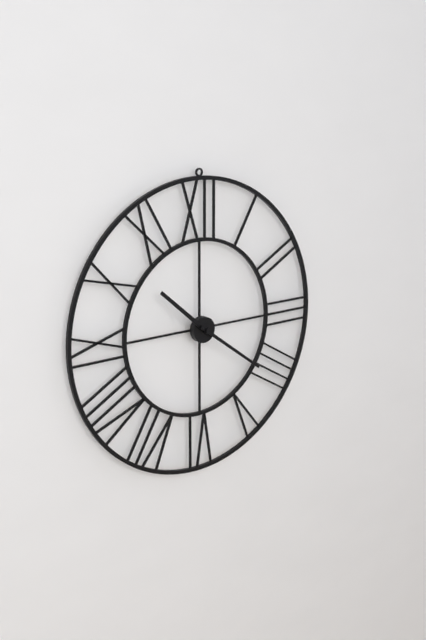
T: 10 h 21 min
